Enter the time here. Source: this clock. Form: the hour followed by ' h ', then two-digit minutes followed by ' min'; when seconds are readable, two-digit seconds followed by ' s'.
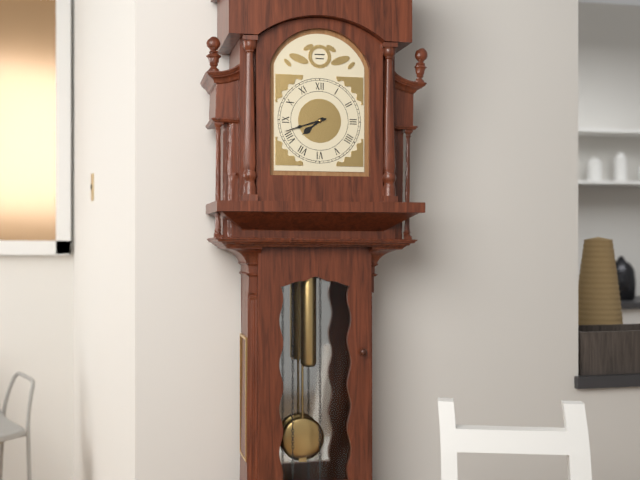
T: 7 h 42 min
